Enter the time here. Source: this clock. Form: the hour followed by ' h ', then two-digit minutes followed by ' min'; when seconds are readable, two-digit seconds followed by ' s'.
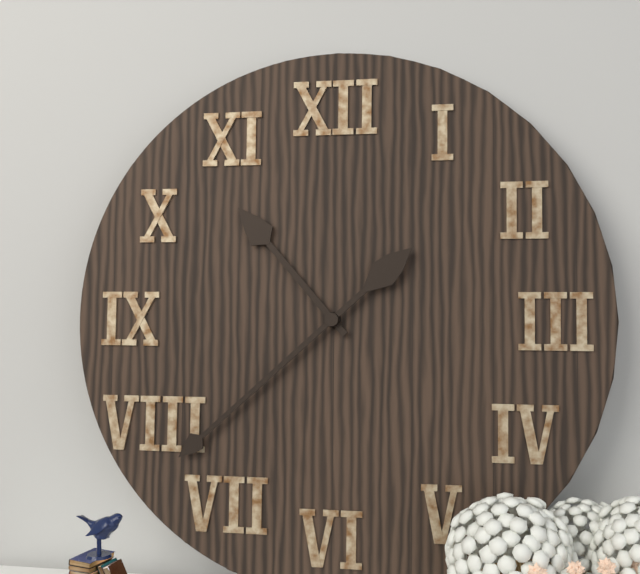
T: 10 h 38 min
